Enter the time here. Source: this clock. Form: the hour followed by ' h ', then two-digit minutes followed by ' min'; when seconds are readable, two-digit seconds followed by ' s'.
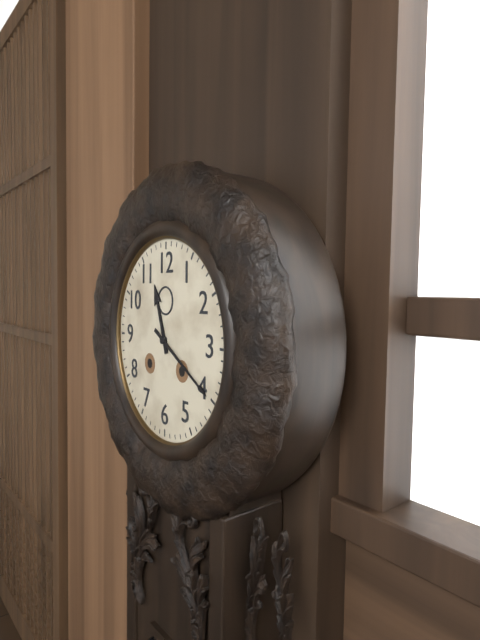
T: 11 h 20 min
